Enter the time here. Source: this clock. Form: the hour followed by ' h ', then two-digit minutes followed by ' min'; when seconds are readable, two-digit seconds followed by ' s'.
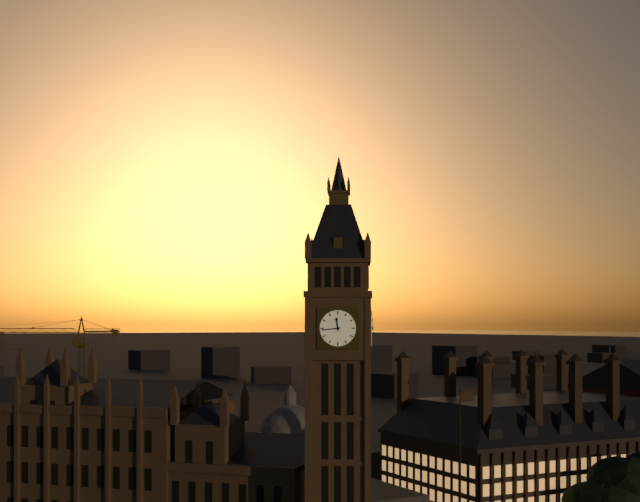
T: 11 h 44 min
